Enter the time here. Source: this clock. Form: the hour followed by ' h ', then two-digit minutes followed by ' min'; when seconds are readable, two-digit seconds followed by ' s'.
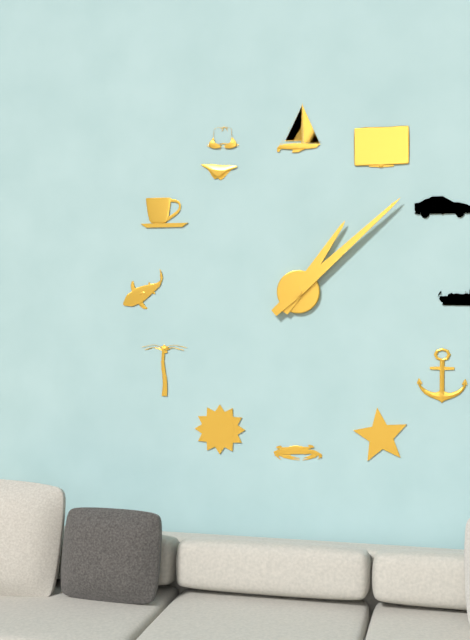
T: 1 h 08 min
